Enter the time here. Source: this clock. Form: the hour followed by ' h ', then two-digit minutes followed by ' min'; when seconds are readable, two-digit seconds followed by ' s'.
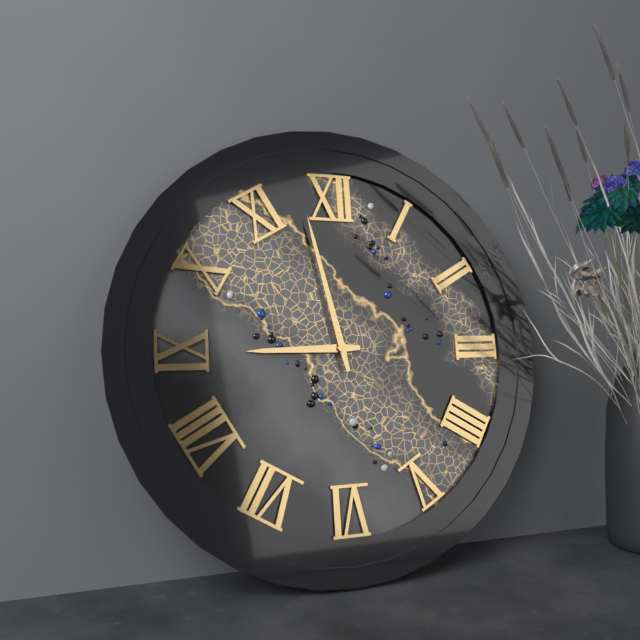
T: 8 h 58 min
